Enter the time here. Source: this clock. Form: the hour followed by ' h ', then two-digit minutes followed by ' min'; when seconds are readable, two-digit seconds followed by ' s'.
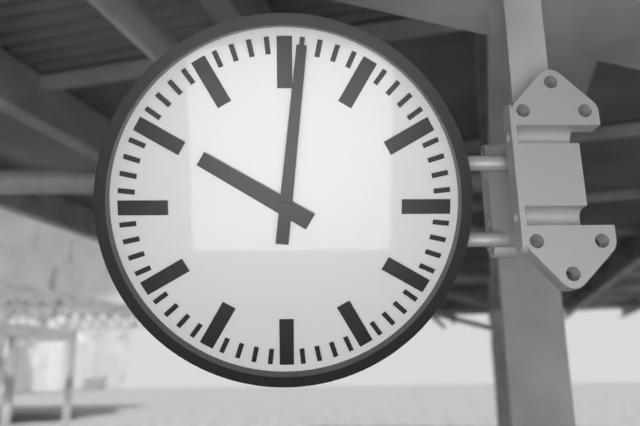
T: 10 h 01 min
